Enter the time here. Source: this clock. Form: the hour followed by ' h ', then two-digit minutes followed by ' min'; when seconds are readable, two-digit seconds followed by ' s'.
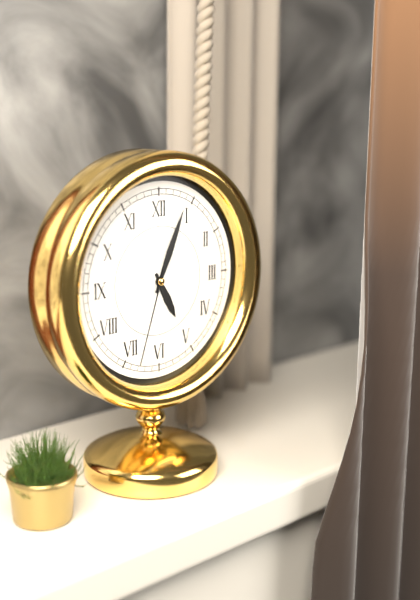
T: 5 h 04 min 33 s
